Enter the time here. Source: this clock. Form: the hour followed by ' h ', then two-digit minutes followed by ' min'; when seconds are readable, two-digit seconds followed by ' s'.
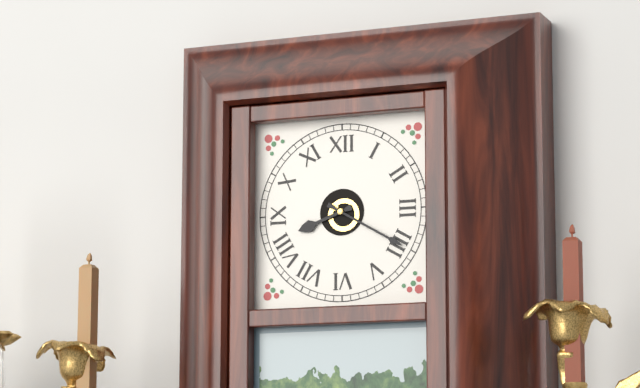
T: 8 h 20 min
